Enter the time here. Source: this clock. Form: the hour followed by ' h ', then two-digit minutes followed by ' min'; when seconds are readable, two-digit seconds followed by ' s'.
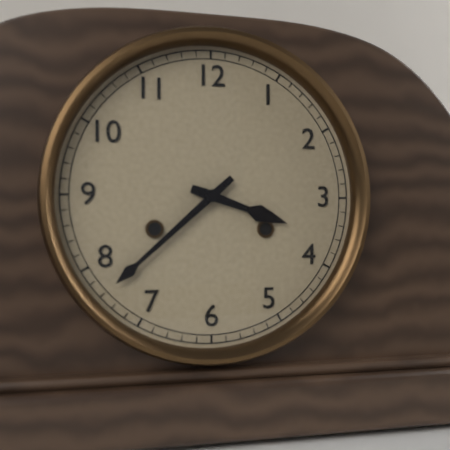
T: 3 h 38 min
